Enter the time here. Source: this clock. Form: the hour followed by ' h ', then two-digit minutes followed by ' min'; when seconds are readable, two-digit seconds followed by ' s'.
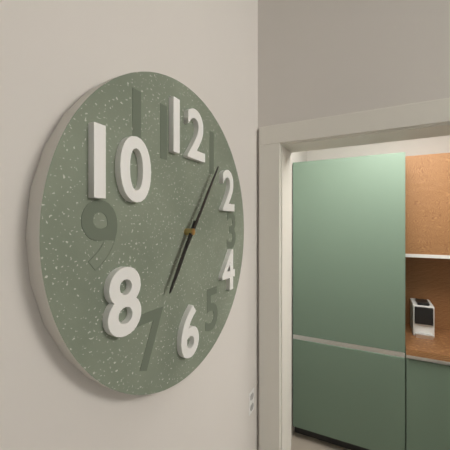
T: 7 h 06 min
